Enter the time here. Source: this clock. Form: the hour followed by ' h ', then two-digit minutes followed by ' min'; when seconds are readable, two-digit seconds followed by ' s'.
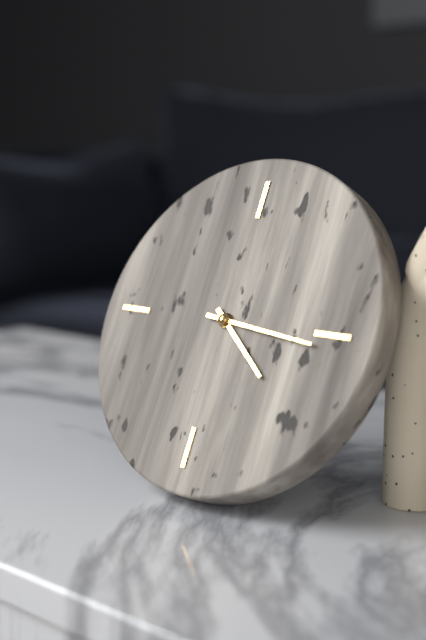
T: 4 h 16 min
